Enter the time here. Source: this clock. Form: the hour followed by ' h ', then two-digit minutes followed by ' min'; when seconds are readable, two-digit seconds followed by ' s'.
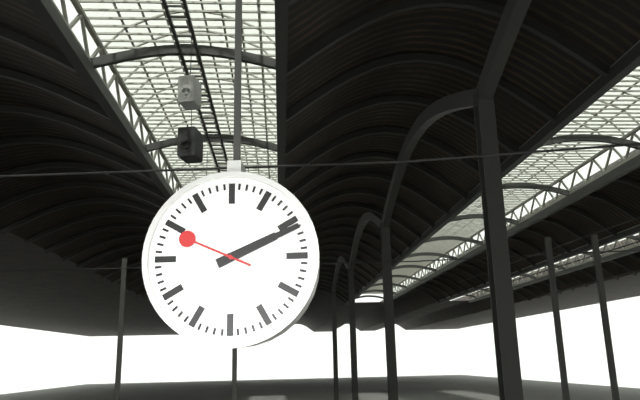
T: 2 h 11 min 49 s
